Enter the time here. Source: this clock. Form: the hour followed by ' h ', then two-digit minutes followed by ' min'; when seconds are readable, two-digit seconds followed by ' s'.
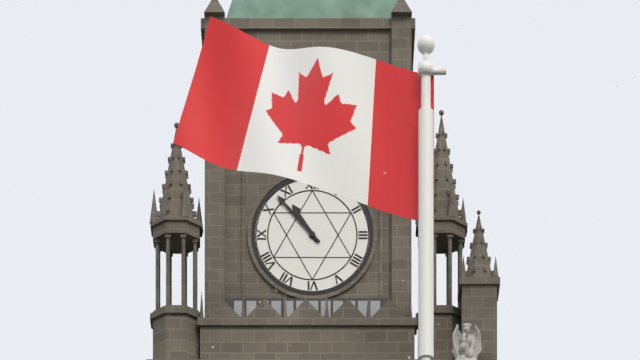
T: 10 h 53 min
